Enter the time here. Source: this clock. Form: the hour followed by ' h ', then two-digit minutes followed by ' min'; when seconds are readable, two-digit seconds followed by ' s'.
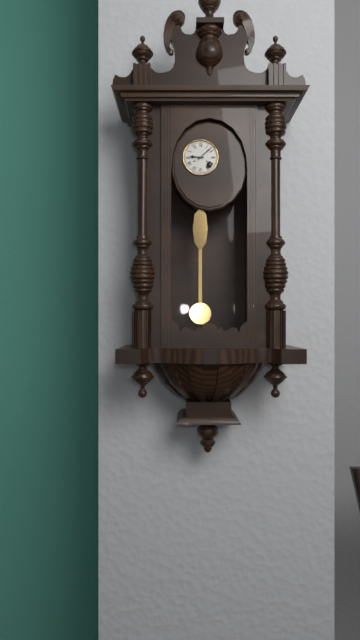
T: 9 h 08 min
